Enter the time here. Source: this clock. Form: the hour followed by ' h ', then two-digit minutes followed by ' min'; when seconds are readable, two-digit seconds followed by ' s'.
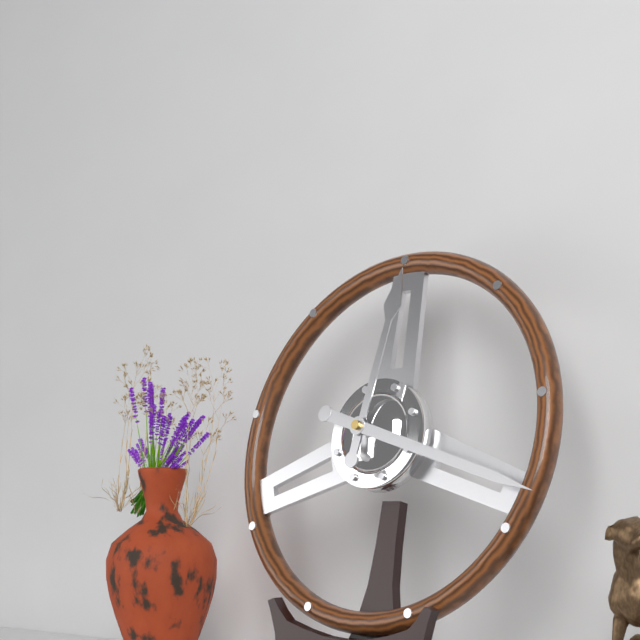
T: 12 h 18 min
